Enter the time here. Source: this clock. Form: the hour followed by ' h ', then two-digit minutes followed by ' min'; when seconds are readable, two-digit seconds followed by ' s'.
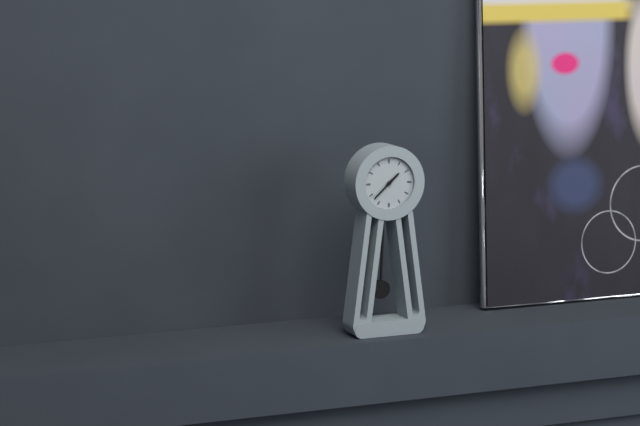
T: 1 h 38 min
